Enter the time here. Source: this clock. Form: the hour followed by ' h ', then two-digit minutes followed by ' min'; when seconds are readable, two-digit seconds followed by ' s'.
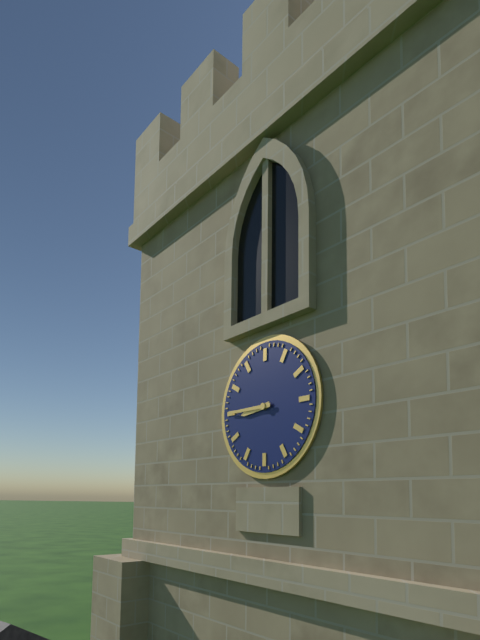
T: 8 h 45 min
